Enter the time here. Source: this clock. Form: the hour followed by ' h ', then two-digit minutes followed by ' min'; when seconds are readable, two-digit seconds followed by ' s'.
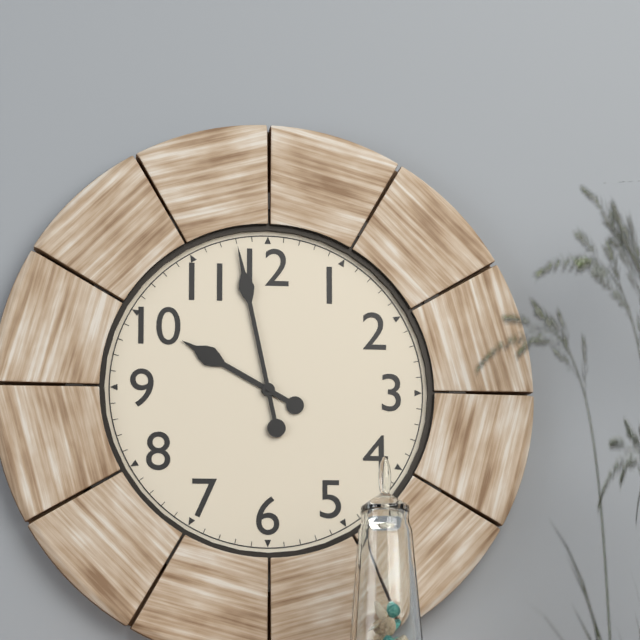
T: 9 h 58 min
